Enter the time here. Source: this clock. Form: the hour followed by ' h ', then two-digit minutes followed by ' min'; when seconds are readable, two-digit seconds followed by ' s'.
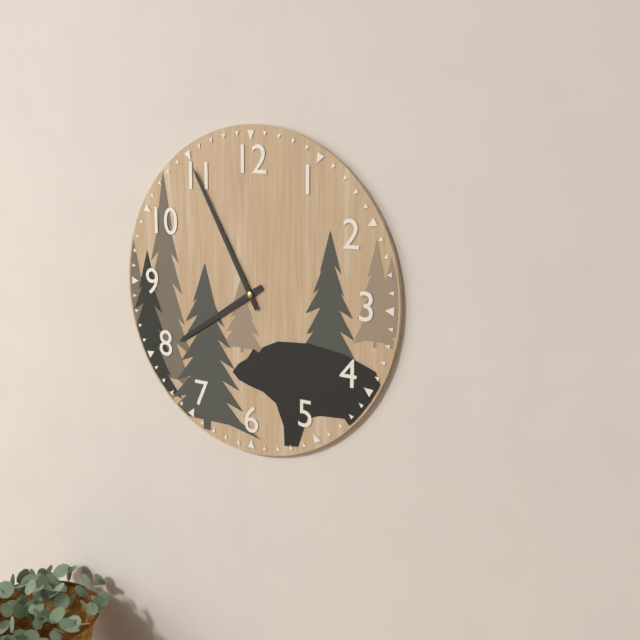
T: 7 h 55 min
